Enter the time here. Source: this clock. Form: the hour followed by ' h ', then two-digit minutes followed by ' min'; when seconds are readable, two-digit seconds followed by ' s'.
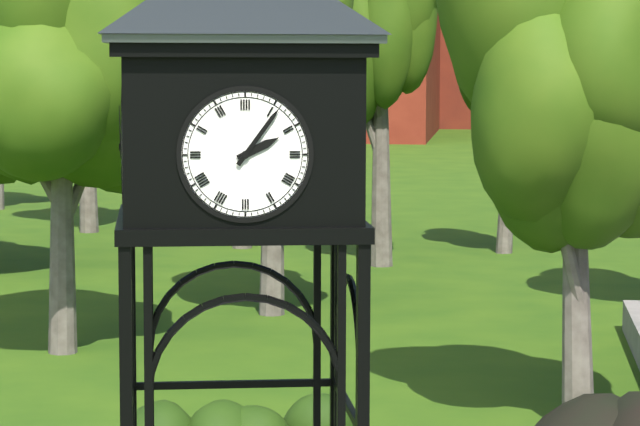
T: 2 h 06 min
